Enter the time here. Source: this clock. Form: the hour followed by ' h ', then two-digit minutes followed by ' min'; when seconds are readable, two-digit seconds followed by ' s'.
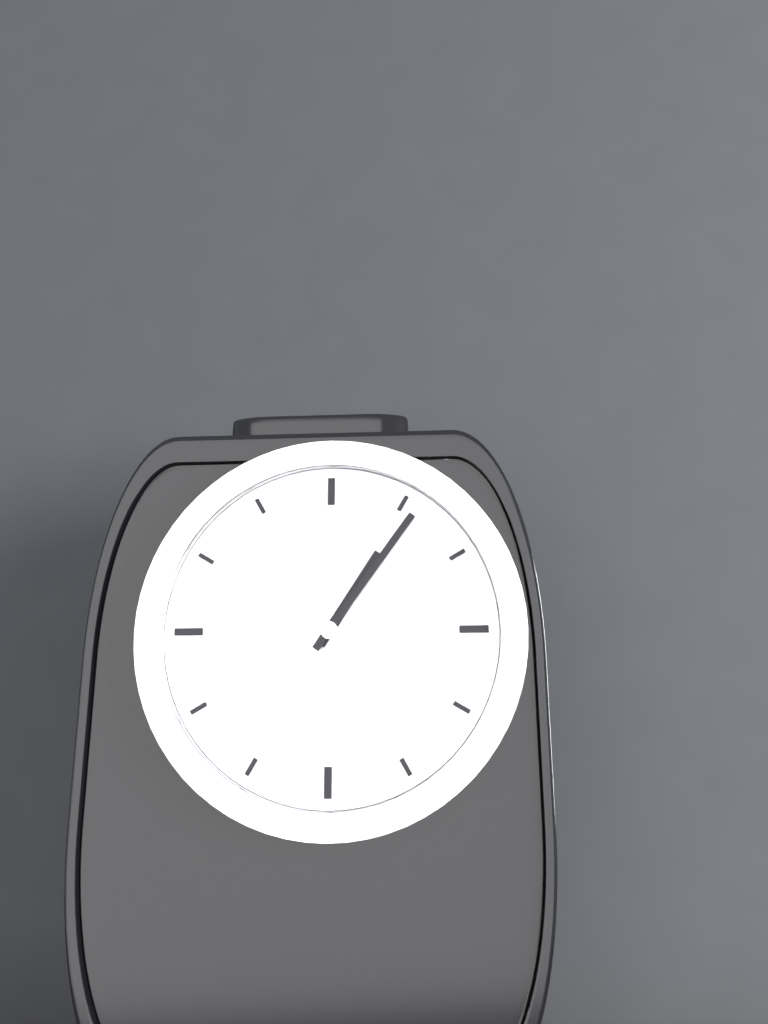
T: 1 h 06 min
